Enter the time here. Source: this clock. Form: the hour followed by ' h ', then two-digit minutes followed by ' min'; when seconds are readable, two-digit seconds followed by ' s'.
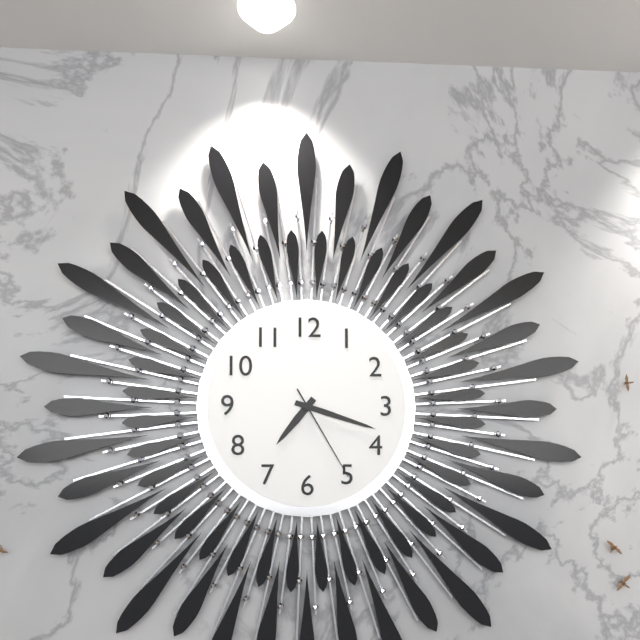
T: 7 h 18 min 25 s
